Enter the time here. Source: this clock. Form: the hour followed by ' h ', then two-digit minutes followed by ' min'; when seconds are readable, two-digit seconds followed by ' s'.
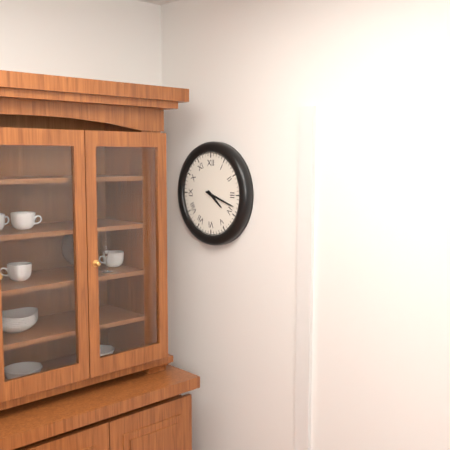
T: 4 h 18 min
